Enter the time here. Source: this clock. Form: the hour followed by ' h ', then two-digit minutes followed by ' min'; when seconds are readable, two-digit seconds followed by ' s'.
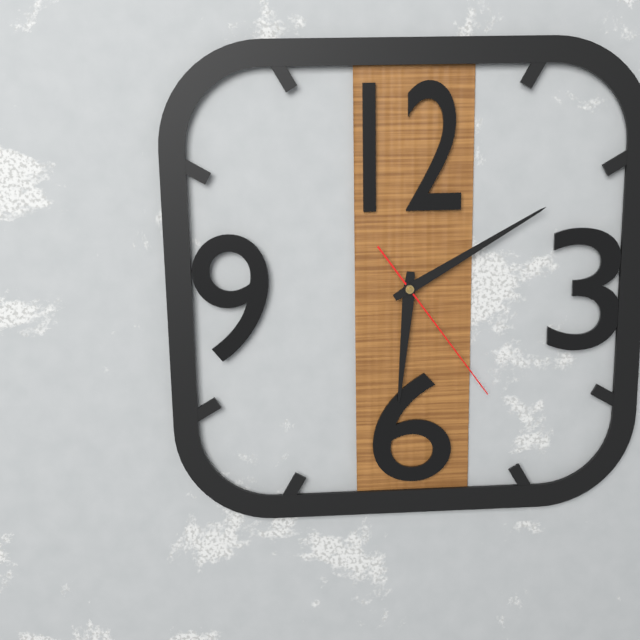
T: 6 h 10 min 24 s
